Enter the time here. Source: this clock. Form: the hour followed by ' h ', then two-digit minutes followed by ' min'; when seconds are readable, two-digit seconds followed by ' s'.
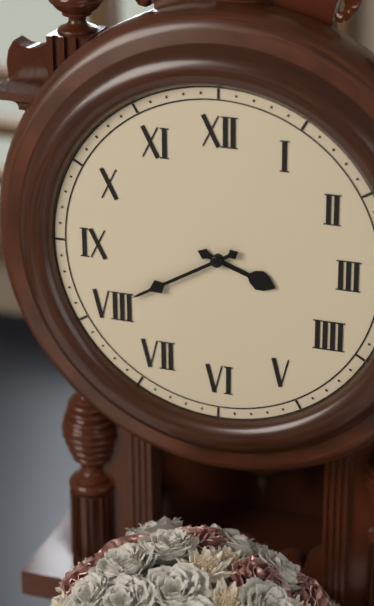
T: 3 h 40 min
